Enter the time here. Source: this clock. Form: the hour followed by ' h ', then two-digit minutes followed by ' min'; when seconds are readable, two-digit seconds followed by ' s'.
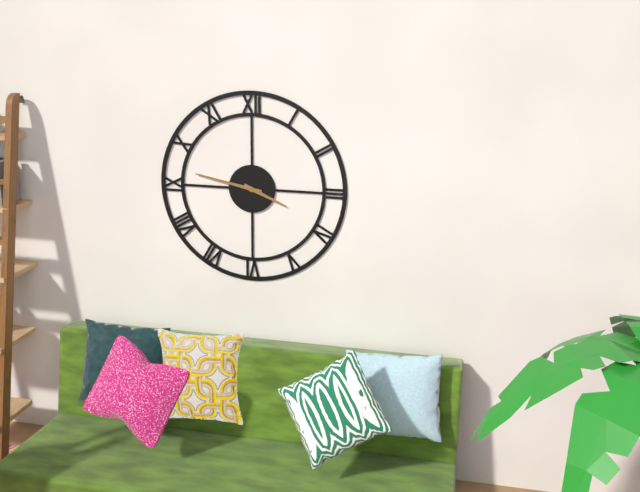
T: 3 h 47 min
